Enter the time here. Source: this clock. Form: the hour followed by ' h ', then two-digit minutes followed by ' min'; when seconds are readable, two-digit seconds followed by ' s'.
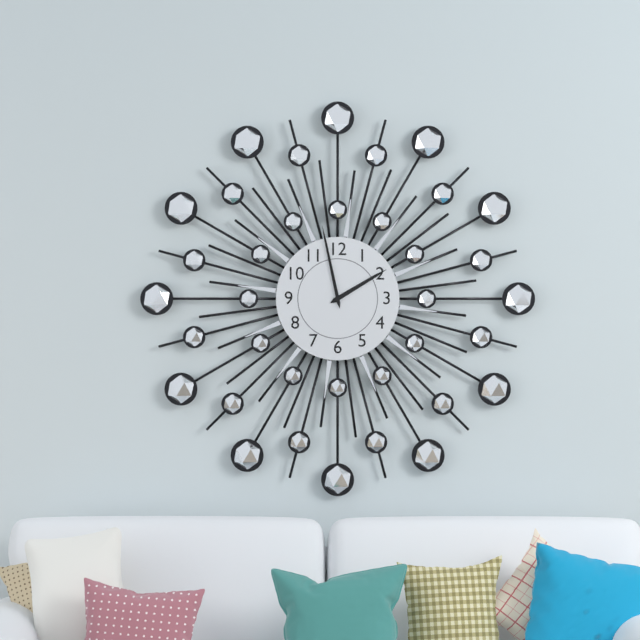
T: 1 h 58 min
